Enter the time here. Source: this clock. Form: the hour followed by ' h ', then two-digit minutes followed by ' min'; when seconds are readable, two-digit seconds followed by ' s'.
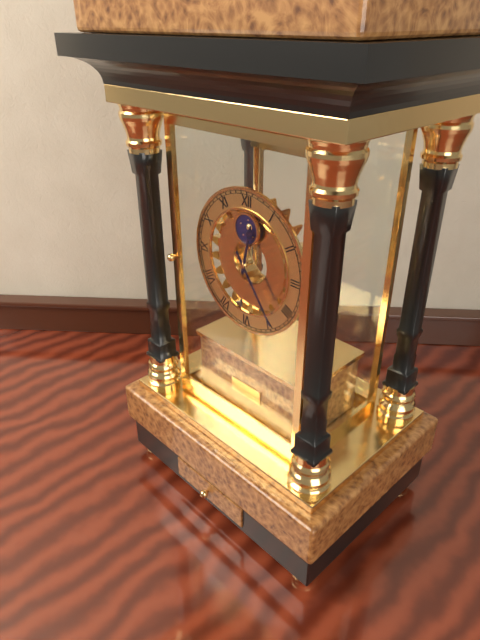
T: 12 h 24 min
